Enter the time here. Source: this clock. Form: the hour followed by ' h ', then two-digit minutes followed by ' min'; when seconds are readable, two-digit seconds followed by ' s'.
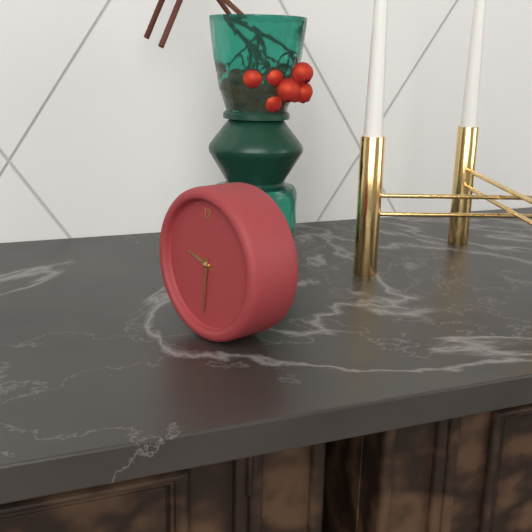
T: 9 h 31 min
